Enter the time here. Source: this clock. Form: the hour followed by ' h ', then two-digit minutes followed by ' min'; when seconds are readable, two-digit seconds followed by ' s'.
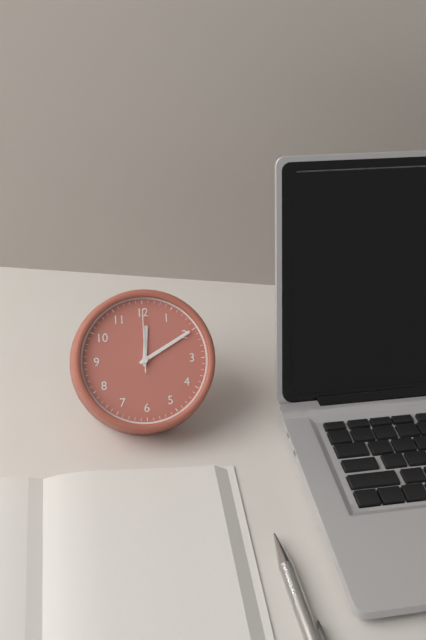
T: 12 h 10 min 00 s
